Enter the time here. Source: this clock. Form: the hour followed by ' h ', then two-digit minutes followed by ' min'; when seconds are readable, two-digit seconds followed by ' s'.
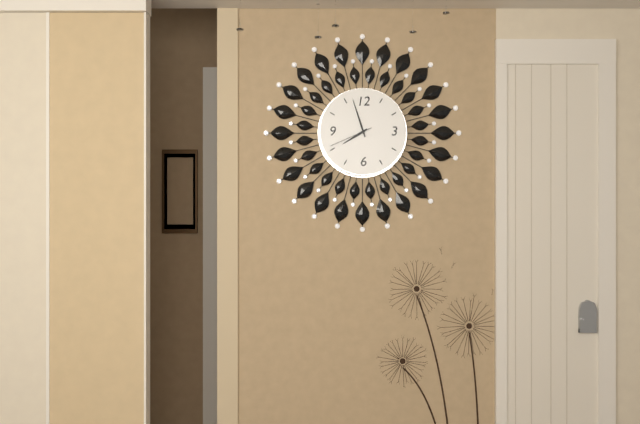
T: 7 h 57 min
